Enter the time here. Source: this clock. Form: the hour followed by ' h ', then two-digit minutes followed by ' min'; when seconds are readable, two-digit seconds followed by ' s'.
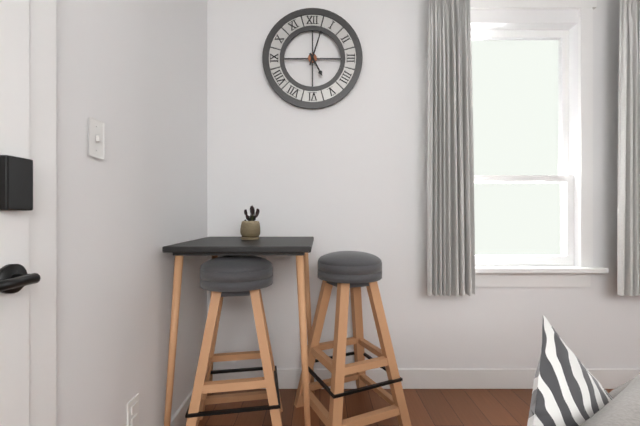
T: 5 h 03 min
